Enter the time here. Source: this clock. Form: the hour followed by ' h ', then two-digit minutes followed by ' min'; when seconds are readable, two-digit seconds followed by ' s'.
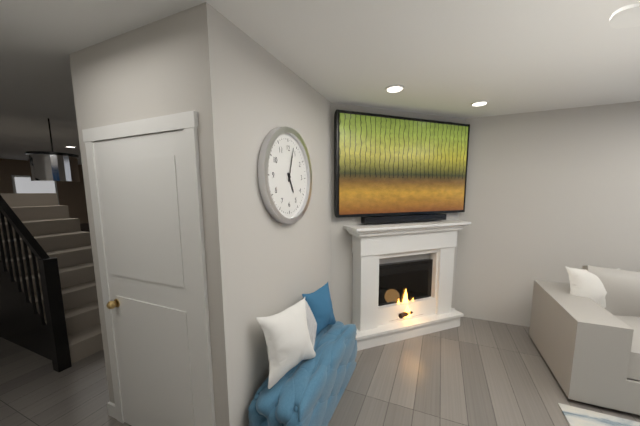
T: 5 h 03 min
